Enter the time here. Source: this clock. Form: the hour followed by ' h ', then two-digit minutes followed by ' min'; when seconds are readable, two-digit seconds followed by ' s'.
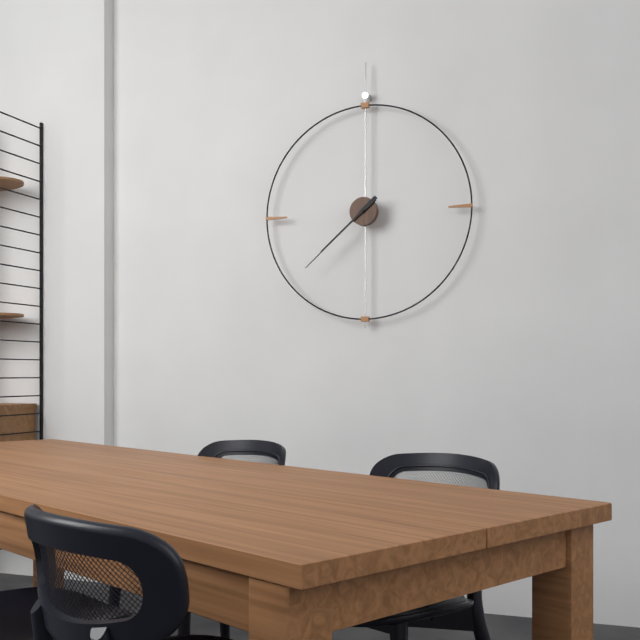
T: 7 h 38 min
